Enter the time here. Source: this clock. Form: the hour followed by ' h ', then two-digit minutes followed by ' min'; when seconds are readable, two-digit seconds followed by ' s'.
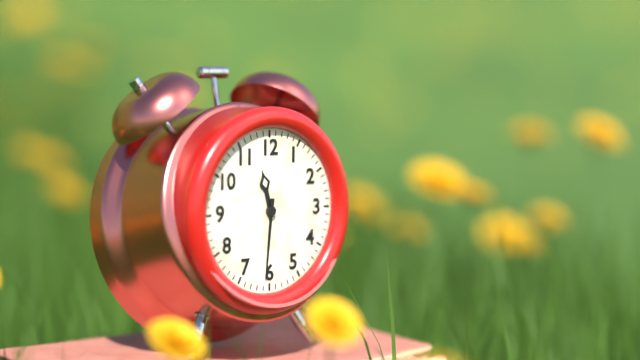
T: 11 h 31 min
